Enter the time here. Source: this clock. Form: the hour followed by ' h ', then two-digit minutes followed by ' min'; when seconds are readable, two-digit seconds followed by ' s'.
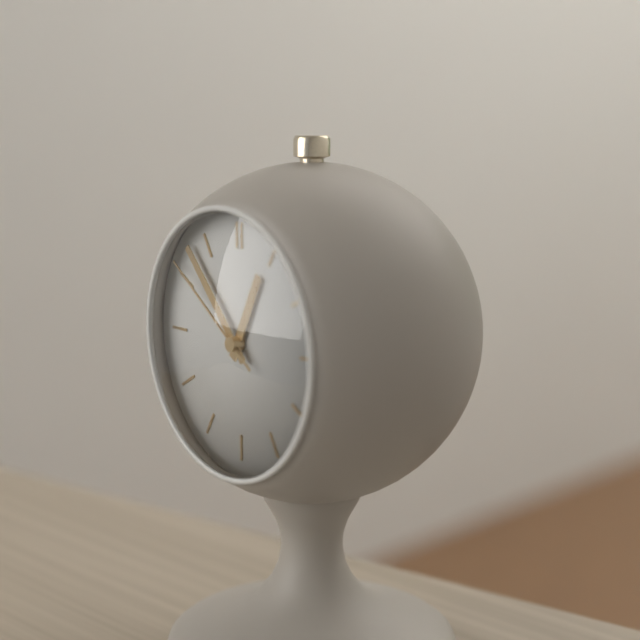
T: 12 h 53 min 51 s
